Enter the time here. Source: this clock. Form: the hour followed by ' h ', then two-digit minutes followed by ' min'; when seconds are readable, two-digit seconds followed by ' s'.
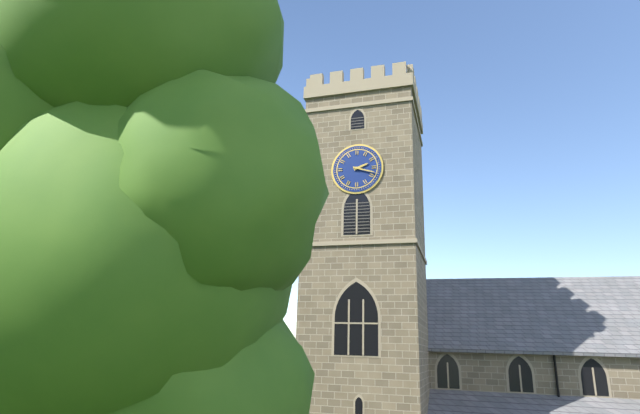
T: 2 h 18 min
